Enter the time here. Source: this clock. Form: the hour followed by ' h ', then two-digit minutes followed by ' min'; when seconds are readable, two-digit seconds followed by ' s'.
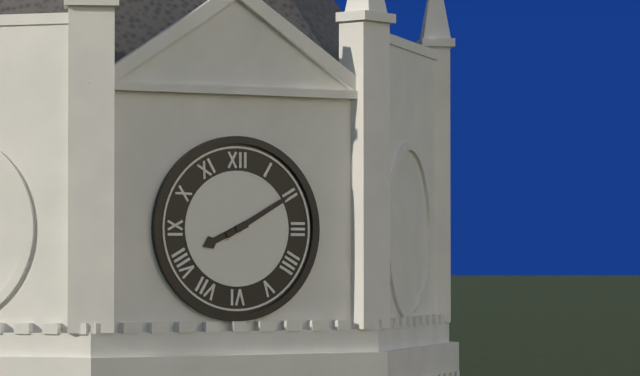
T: 8 h 10 min
